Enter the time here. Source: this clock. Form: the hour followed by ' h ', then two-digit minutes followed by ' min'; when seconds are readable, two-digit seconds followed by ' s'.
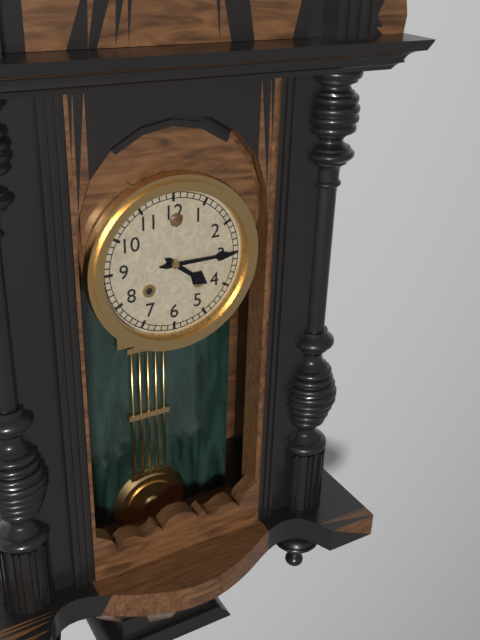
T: 4 h 15 min
